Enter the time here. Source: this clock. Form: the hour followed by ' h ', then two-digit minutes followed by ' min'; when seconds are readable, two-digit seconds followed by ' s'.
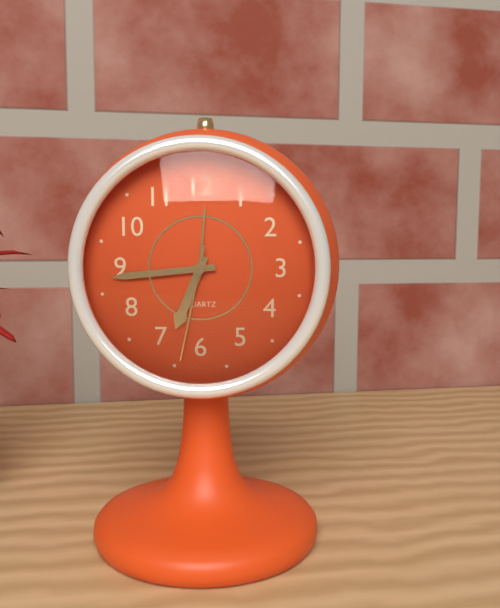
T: 6 h 44 min 32 s
